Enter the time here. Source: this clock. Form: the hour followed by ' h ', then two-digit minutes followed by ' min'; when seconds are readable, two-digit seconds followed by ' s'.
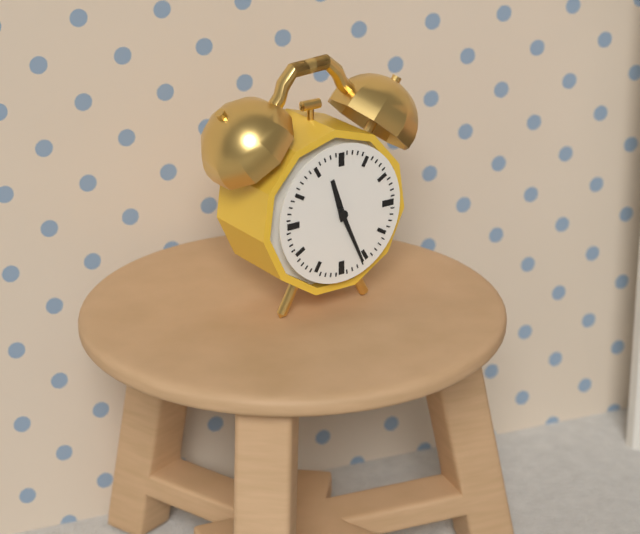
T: 11 h 26 min
